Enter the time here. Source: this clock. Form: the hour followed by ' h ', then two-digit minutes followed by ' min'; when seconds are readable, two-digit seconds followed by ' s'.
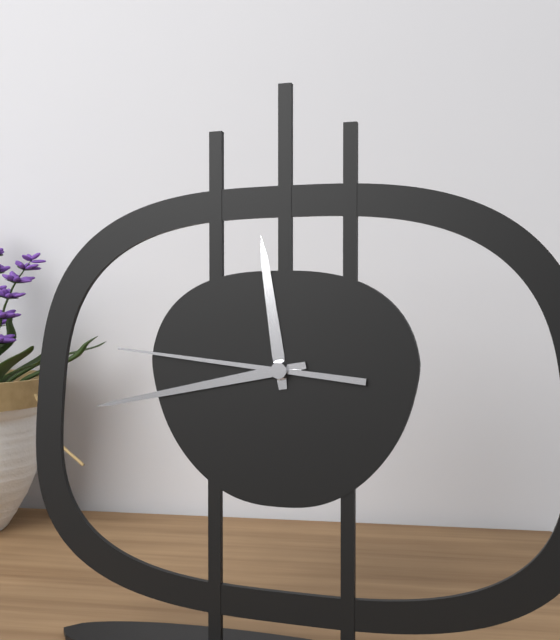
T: 11 h 43 min 46 s
